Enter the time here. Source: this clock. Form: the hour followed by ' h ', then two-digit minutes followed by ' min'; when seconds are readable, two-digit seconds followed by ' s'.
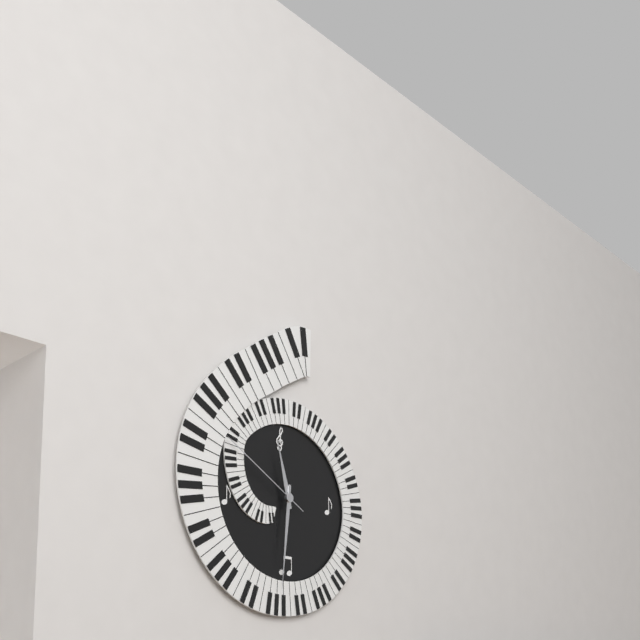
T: 11 h 31 min 50 s
